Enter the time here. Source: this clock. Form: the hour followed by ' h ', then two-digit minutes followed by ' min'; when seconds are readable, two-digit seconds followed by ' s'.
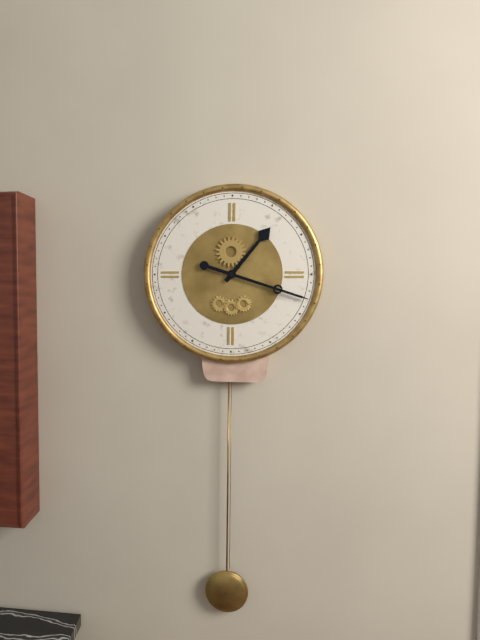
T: 1 h 18 min
